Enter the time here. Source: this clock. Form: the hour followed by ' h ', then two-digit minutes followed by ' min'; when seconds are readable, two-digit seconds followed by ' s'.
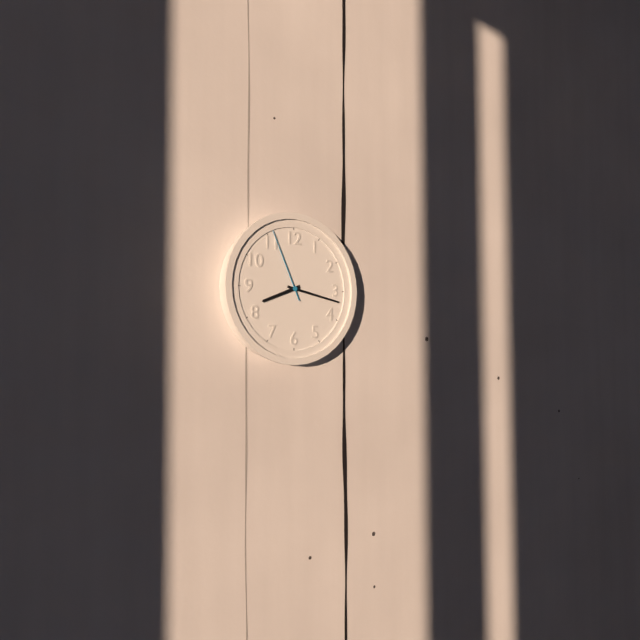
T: 8 h 17 min 56 s
